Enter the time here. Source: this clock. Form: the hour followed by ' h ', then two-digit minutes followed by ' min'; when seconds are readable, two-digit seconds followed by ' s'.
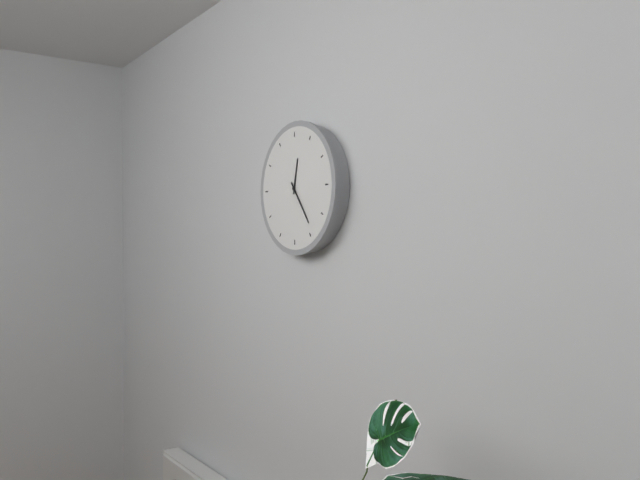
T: 12 h 24 min
